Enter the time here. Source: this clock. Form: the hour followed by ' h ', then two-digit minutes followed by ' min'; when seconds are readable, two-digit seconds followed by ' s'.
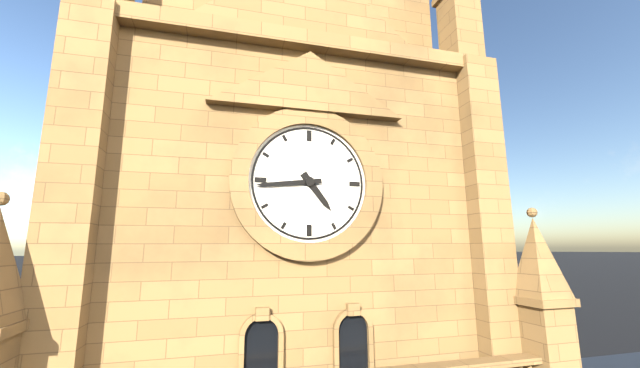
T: 4 h 44 min
